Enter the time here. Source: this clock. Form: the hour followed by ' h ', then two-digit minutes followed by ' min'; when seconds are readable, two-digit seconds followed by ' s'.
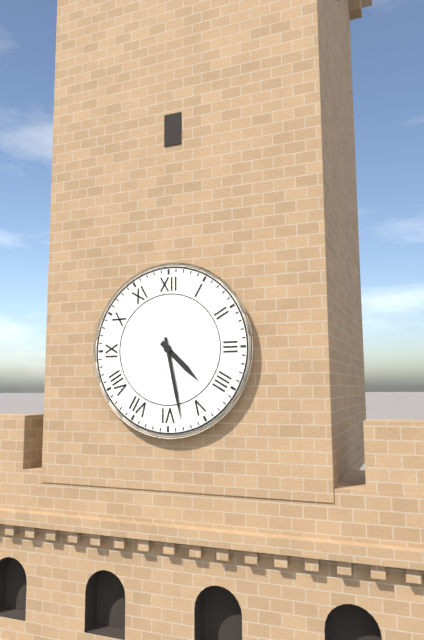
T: 4 h 28 min
